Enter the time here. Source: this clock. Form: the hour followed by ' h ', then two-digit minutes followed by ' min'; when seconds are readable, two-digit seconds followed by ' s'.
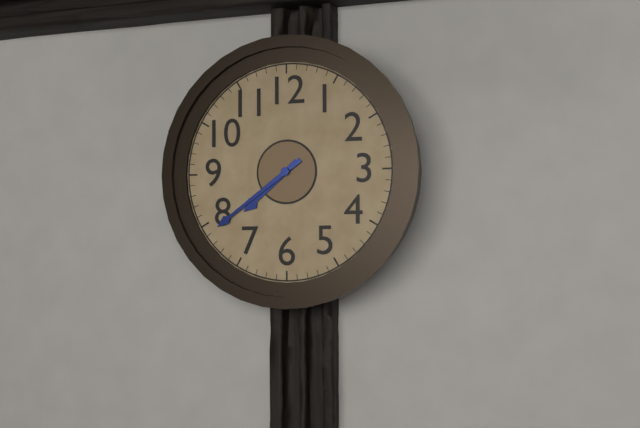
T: 7 h 39 min
